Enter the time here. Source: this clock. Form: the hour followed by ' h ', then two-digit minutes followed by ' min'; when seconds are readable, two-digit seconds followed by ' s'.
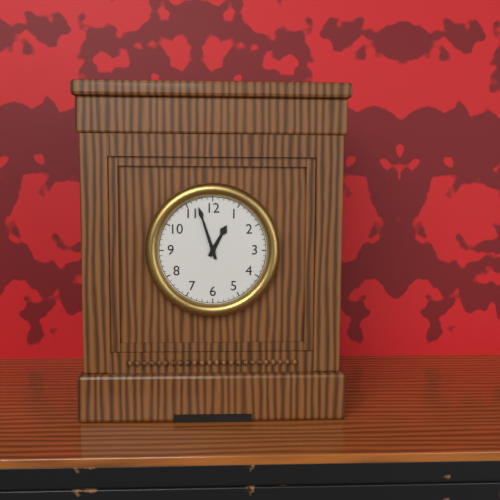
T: 12 h 57 min
